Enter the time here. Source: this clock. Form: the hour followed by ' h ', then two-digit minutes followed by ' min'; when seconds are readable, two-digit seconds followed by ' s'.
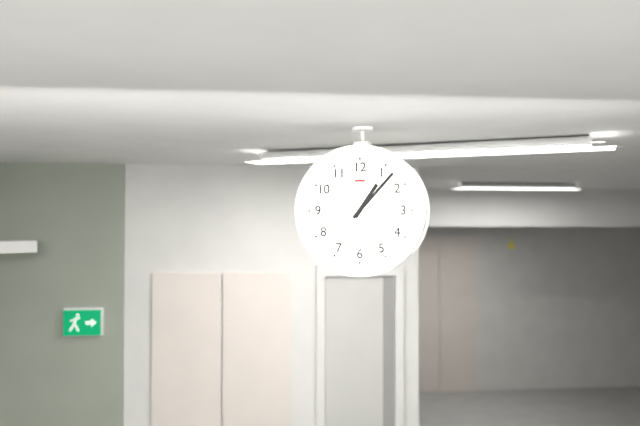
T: 1 h 07 min
